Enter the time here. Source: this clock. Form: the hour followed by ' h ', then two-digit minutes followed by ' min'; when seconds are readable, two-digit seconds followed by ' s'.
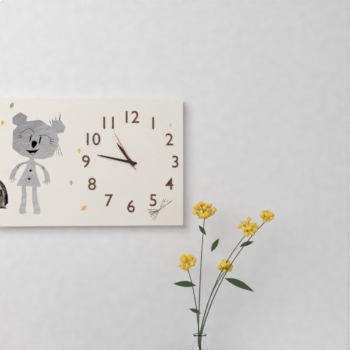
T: 10 h 47 min
